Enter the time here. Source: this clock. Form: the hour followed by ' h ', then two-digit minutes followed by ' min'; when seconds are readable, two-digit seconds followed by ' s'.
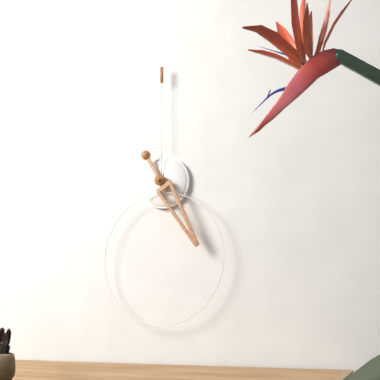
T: 5 h 00 min
